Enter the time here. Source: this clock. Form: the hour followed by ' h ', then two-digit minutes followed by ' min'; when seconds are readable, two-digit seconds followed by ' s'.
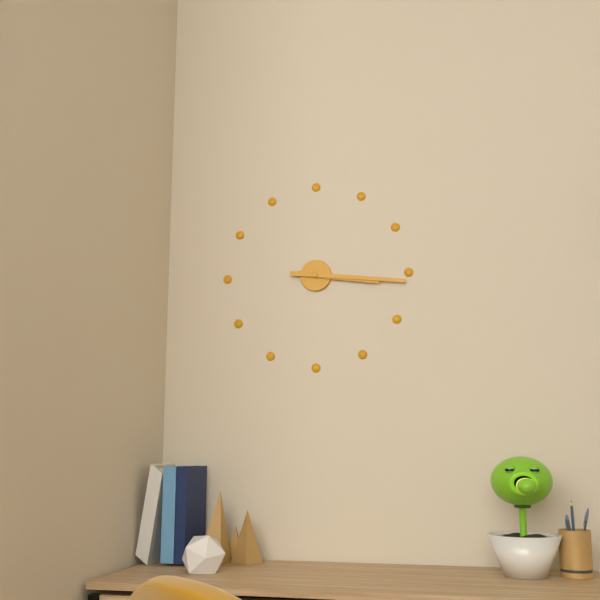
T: 3 h 16 min
